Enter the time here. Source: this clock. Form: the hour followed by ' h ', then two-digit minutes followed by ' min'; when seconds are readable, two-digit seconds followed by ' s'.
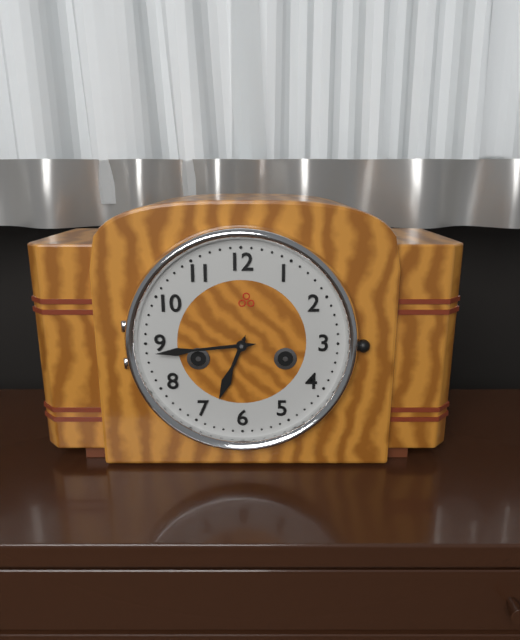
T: 6 h 44 min
